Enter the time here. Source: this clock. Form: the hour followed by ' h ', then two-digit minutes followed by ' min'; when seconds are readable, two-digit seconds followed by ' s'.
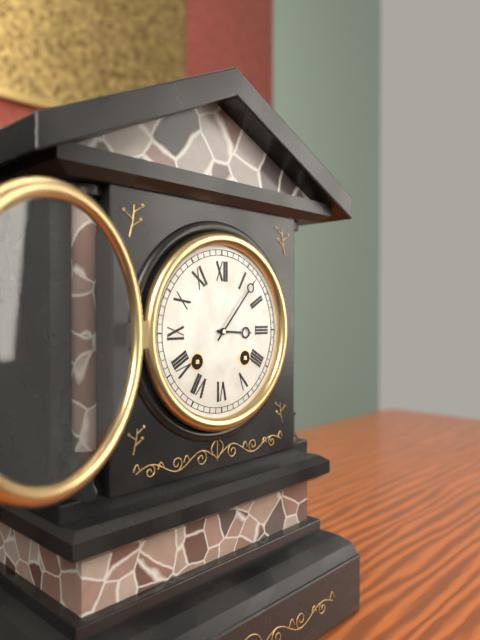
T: 3 h 07 min
